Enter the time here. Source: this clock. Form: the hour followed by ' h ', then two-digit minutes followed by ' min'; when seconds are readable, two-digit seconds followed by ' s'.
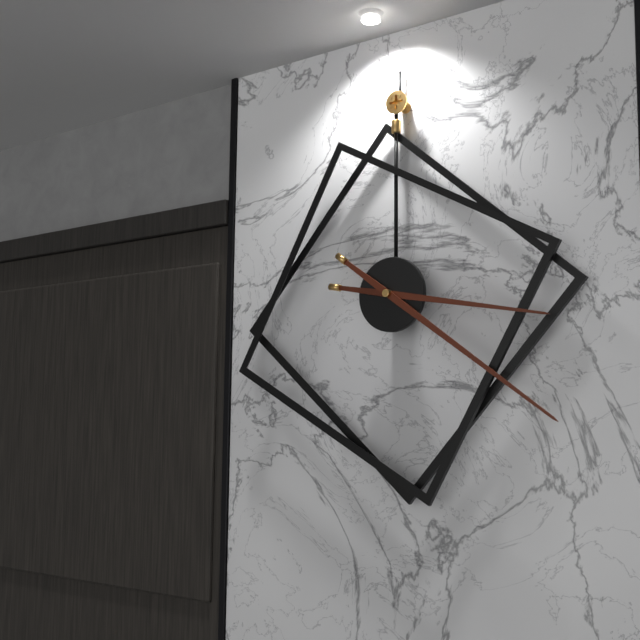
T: 3 h 21 min
